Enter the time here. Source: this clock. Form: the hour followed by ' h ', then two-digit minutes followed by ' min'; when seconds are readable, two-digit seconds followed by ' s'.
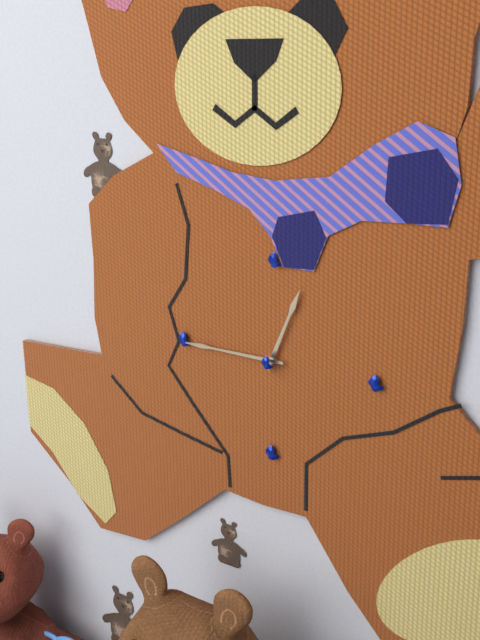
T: 12 h 45 min
